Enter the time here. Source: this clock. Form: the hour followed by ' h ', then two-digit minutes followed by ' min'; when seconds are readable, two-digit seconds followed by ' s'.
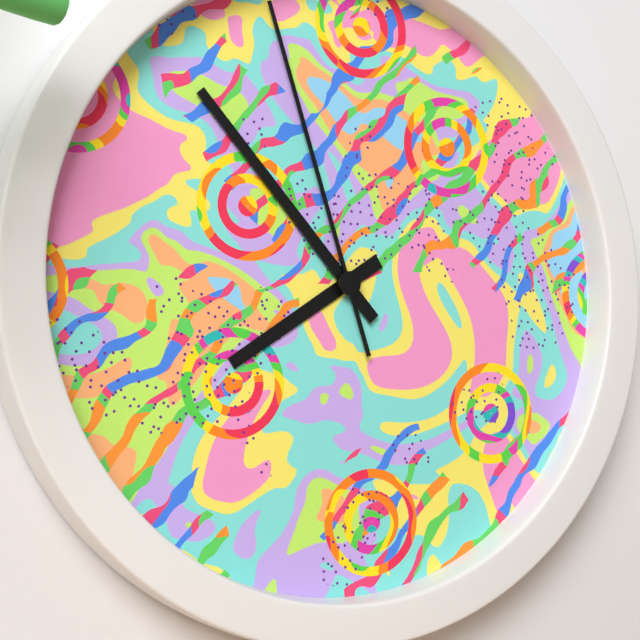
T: 7 h 53 min 57 s
